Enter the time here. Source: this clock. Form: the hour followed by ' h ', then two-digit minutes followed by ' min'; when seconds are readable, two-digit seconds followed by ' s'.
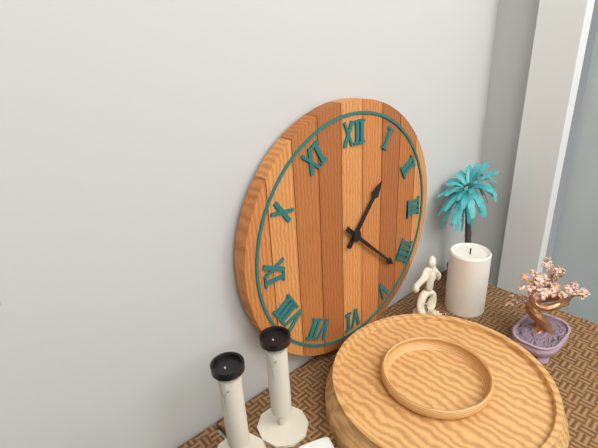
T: 1 h 22 min
